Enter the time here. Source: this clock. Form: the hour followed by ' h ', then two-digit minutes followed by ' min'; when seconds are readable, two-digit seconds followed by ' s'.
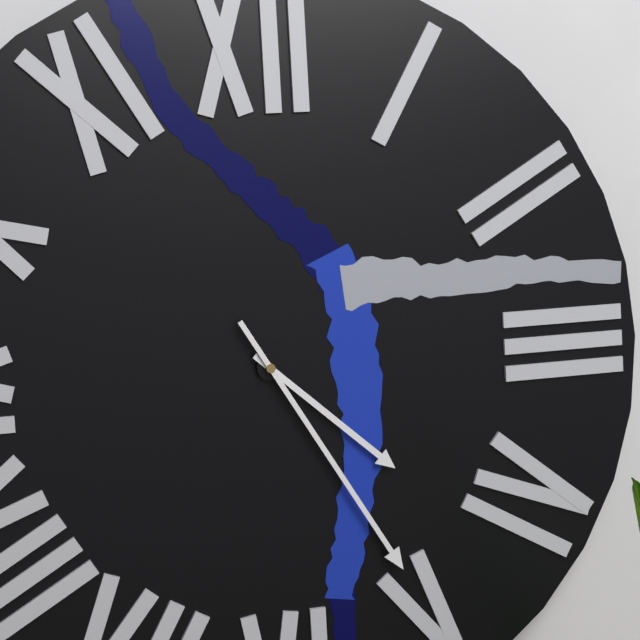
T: 4 h 25 min
